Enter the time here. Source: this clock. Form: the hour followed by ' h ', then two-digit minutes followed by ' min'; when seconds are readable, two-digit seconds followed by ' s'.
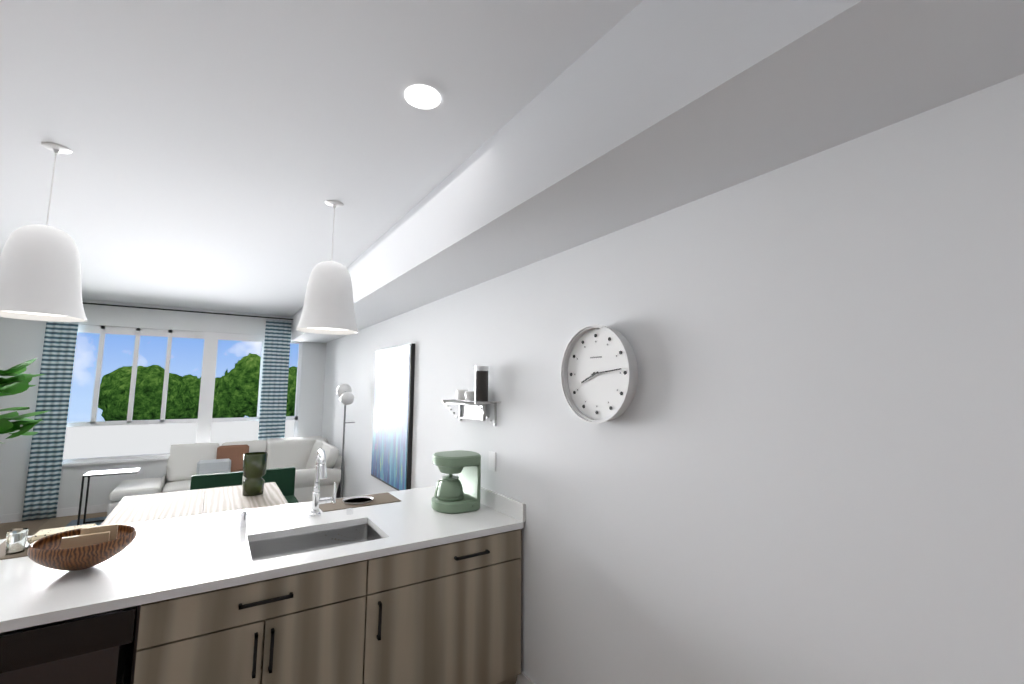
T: 8 h 14 min
